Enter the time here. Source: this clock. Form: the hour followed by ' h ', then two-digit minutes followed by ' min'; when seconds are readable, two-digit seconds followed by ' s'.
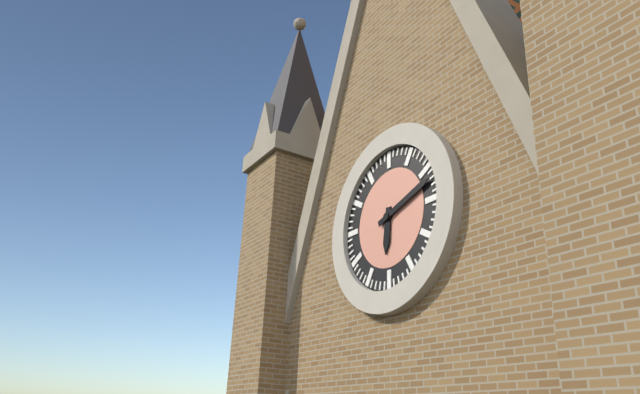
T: 6 h 12 min
